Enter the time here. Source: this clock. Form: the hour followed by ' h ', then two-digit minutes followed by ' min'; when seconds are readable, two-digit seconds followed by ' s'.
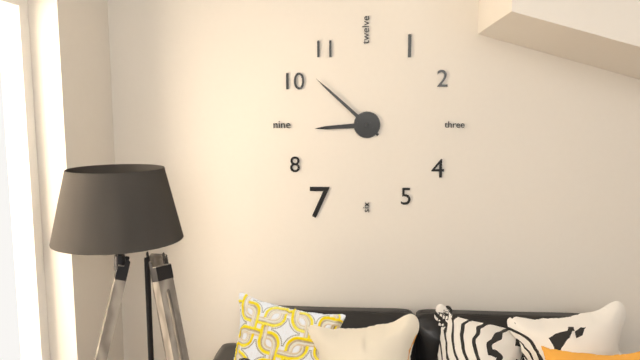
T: 8 h 52 min
